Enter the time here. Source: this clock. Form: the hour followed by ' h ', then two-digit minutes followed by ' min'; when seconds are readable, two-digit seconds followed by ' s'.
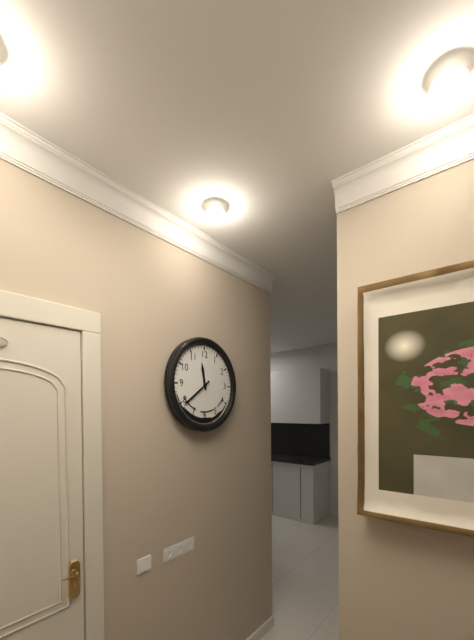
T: 11 h 39 min
